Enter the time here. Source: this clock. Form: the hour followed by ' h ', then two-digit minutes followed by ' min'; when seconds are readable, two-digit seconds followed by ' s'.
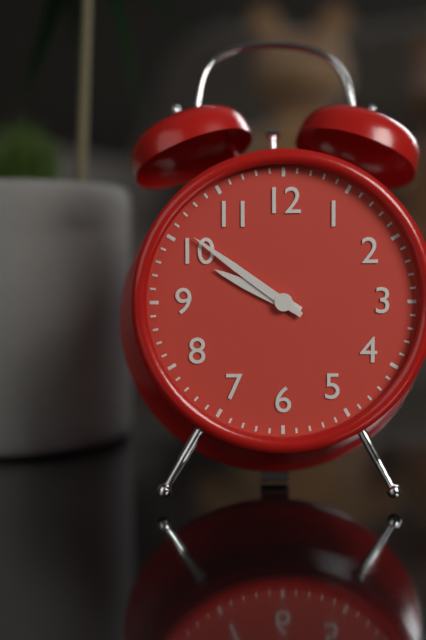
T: 9 h 51 min
